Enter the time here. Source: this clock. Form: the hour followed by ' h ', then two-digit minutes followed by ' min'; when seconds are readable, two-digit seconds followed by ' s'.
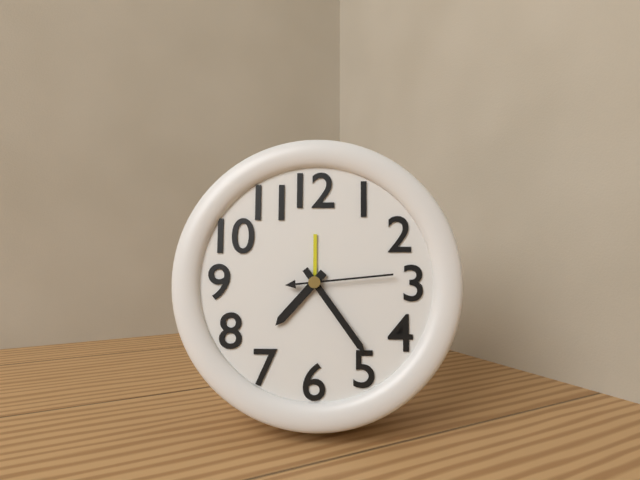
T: 7 h 24 min 14 s
